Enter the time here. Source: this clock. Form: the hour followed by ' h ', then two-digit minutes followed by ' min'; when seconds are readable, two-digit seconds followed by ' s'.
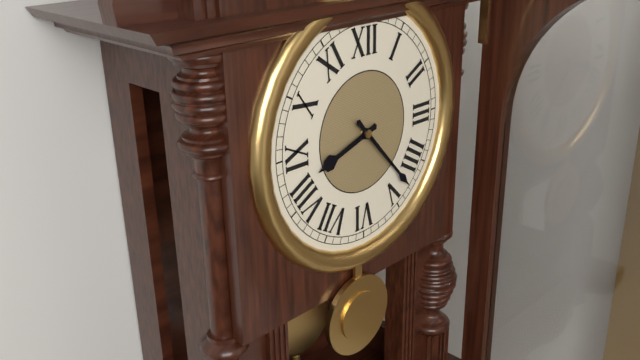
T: 8 h 23 min
